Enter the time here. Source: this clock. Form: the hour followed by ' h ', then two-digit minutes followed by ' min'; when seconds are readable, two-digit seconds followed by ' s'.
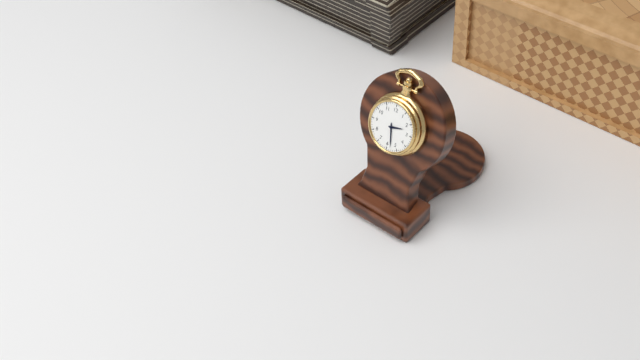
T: 2 h 28 min
